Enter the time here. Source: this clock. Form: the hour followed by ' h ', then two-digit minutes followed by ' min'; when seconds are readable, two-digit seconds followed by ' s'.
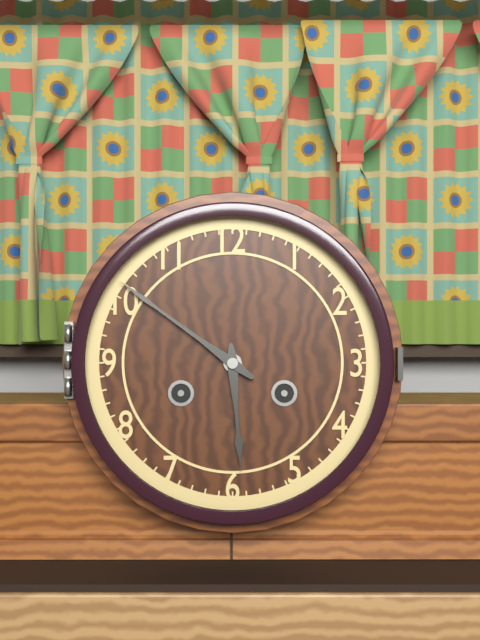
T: 5 h 51 min
